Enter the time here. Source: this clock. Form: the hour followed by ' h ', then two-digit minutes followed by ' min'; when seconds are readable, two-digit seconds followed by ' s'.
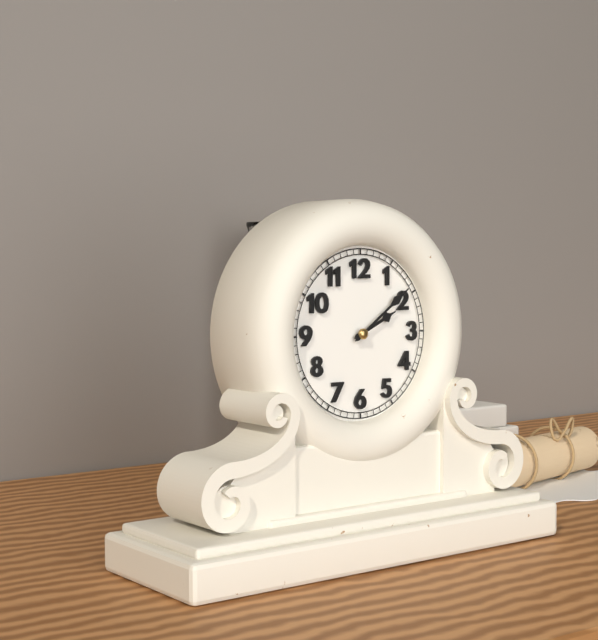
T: 2 h 09 min
